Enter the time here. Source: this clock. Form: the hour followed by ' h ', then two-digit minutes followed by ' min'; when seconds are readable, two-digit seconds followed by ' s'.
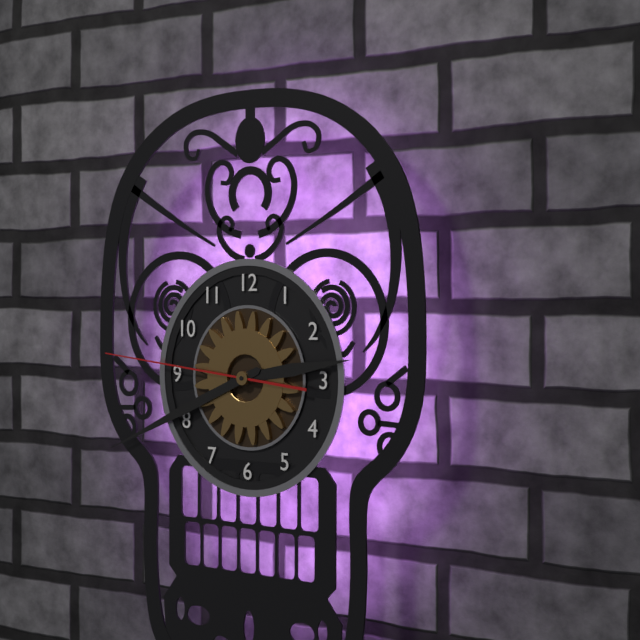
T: 2 h 41 min 46 s
